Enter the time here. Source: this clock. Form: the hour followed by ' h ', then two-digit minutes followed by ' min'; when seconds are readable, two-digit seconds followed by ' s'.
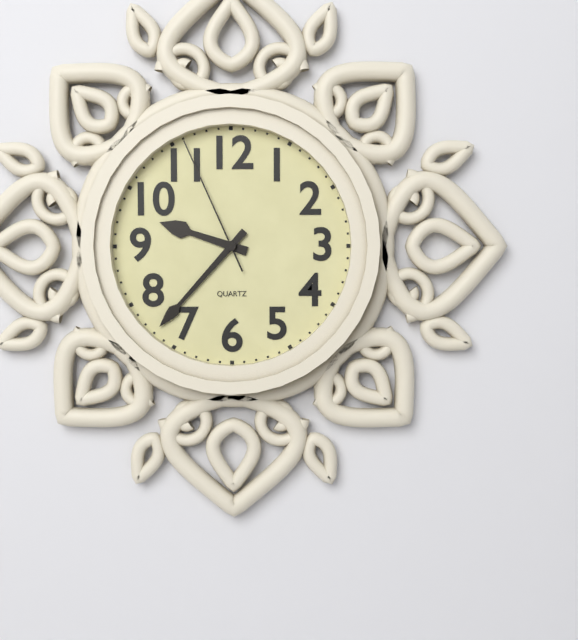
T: 9 h 37 min 56 s
